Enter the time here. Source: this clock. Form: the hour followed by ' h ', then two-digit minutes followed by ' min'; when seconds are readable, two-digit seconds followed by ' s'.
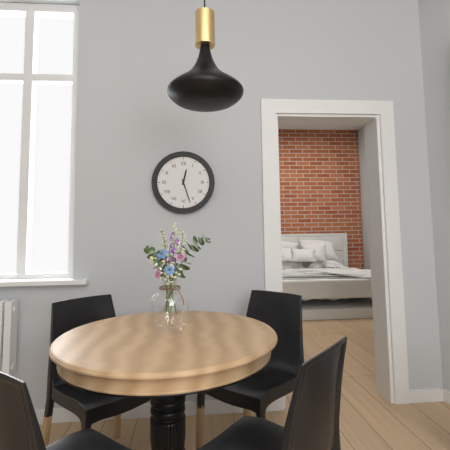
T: 12 h 27 min
